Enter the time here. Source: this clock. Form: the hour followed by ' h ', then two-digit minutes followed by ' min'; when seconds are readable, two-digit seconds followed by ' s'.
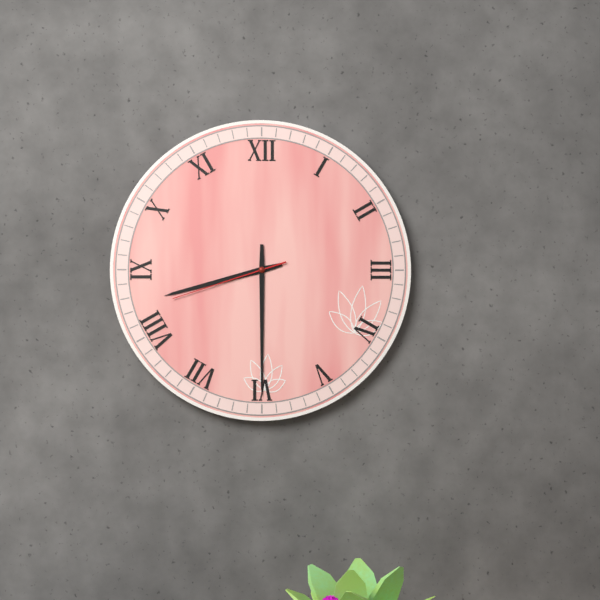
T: 8 h 30 min 42 s
